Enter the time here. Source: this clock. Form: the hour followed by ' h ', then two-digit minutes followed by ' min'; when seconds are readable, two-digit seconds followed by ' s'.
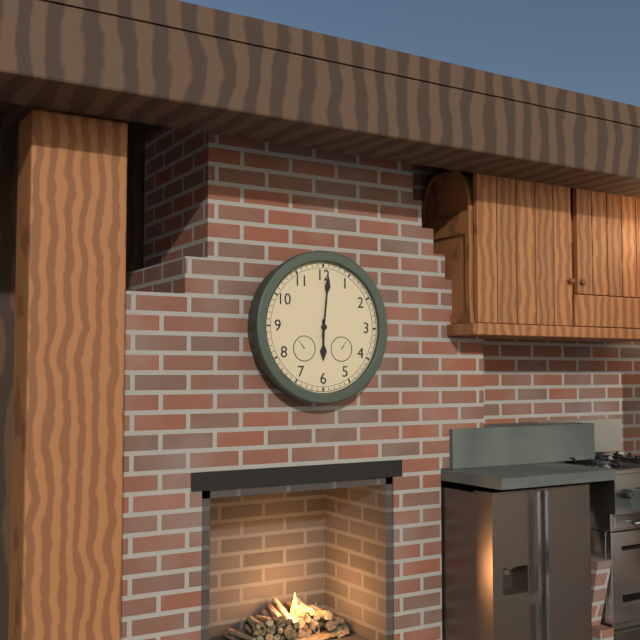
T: 6 h 01 min
